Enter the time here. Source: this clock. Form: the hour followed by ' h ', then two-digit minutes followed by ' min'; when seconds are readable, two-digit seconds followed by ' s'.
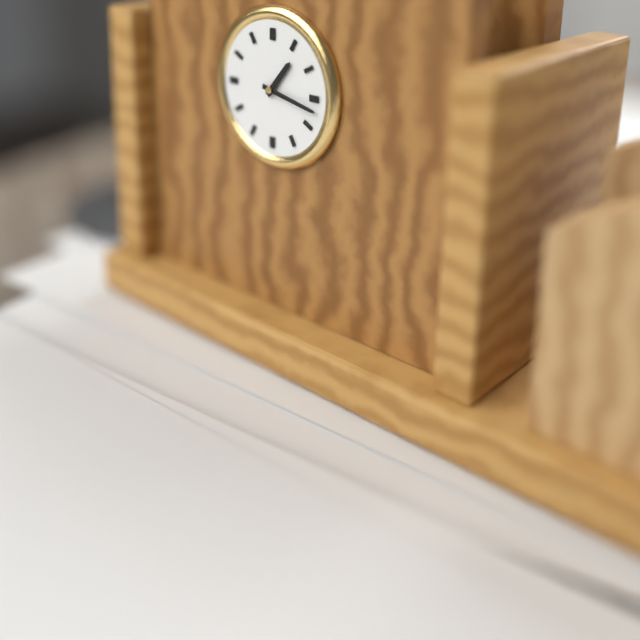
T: 1 h 17 min
